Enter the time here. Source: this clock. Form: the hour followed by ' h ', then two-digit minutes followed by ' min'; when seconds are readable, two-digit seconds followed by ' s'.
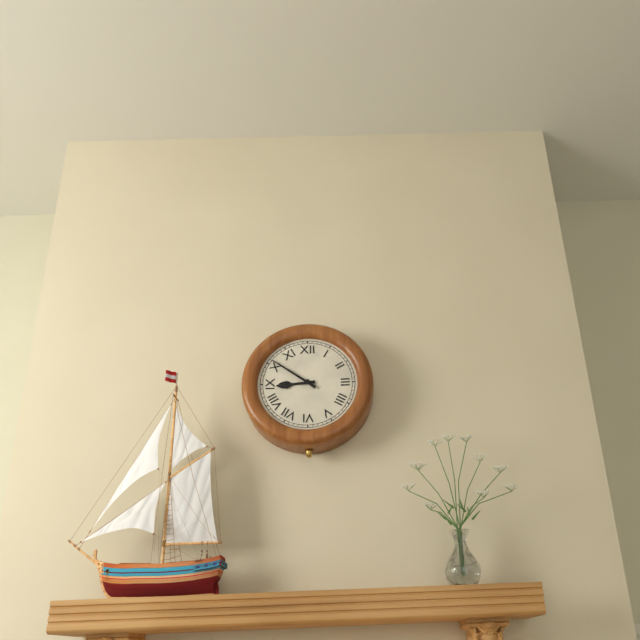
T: 8 h 51 min
